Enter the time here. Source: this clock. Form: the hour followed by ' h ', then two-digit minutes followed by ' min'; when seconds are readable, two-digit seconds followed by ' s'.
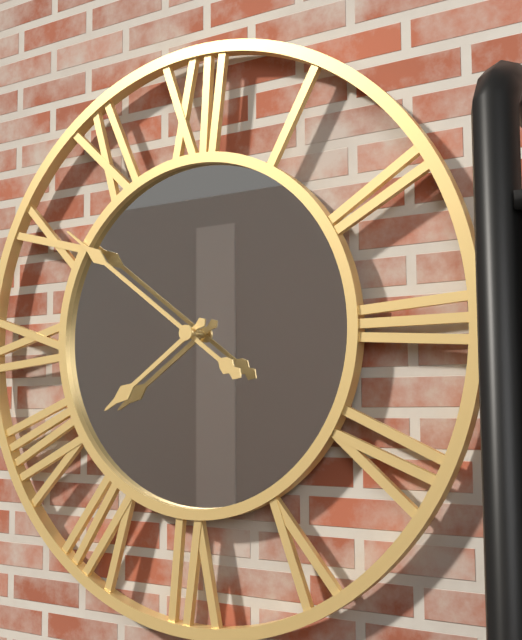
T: 7 h 51 min
